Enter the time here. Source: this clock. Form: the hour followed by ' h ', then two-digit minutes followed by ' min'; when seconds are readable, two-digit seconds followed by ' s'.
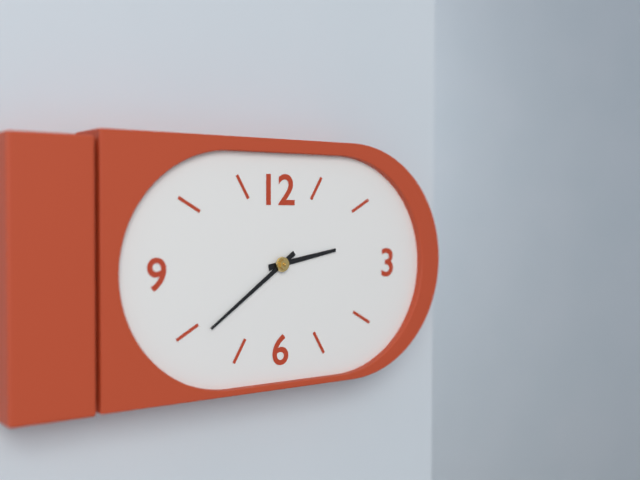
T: 2 h 39 min
